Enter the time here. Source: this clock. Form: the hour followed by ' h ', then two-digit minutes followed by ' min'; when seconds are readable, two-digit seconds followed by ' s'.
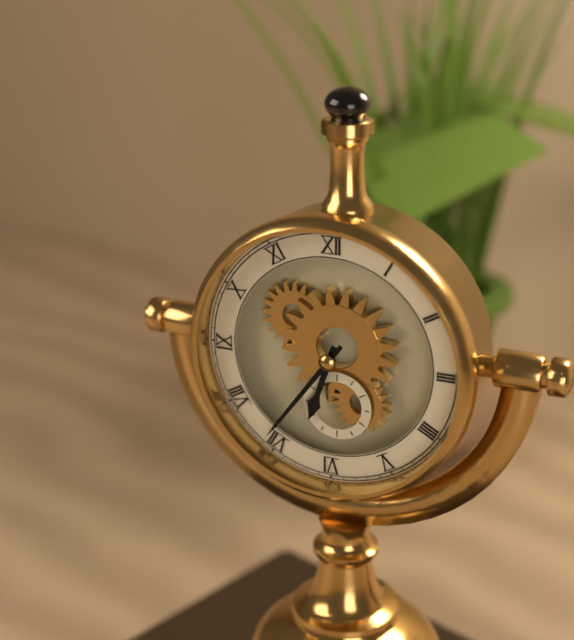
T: 6 h 36 min
